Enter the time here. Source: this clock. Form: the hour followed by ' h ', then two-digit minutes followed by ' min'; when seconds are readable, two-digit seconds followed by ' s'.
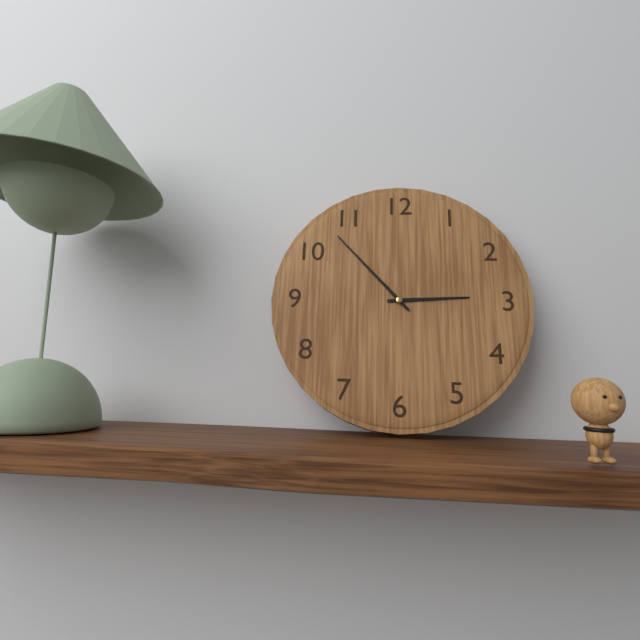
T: 2 h 53 min
